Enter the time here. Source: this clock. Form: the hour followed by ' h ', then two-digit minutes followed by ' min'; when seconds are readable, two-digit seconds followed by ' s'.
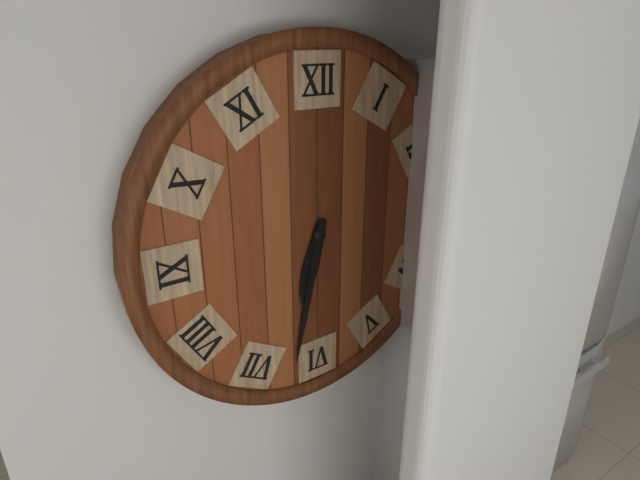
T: 6 h 32 min
